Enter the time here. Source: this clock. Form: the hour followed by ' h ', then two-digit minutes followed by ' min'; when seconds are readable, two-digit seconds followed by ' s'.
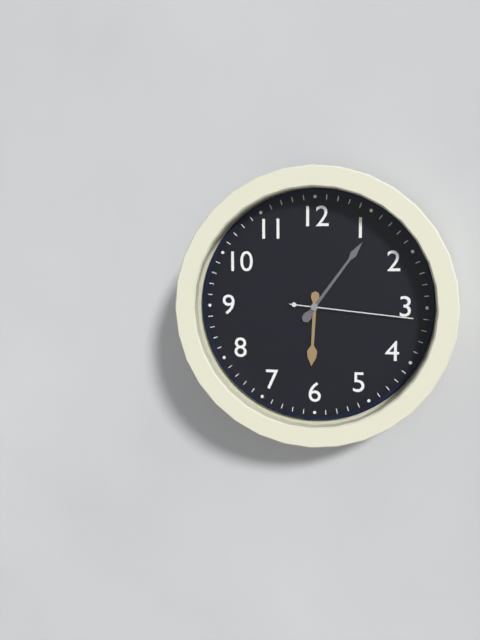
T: 6 h 06 min 16 s
